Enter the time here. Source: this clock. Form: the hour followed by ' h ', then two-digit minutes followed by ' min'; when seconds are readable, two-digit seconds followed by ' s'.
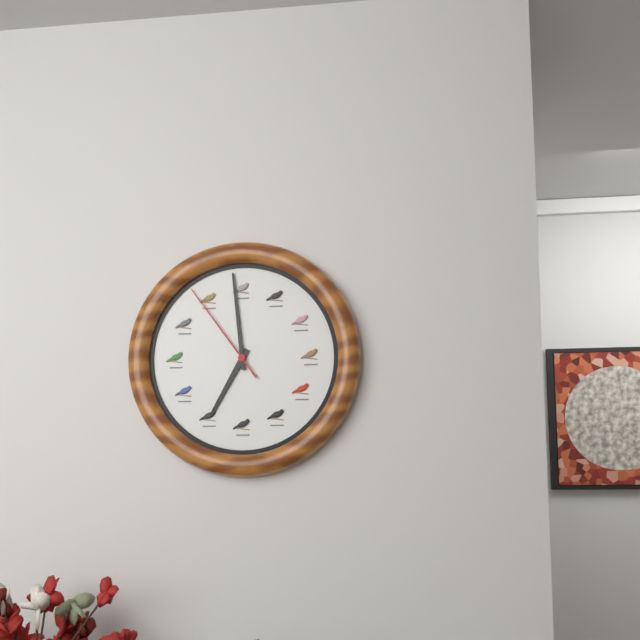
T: 6 h 59 min 54 s
